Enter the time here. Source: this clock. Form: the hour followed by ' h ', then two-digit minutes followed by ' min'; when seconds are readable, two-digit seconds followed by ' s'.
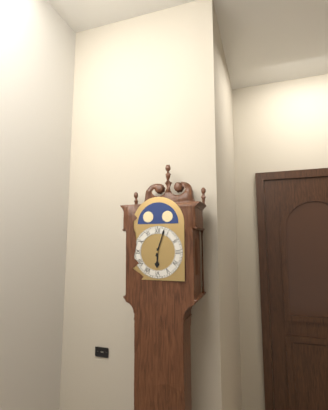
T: 6 h 03 min
